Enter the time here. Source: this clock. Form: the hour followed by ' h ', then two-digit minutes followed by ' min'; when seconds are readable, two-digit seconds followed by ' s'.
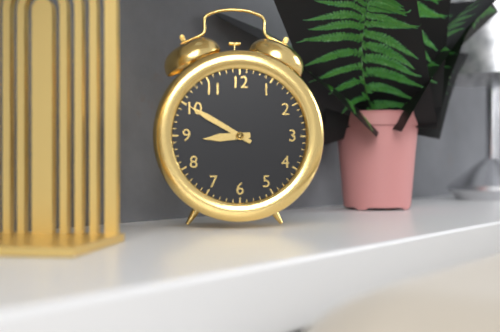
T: 8 h 50 min
